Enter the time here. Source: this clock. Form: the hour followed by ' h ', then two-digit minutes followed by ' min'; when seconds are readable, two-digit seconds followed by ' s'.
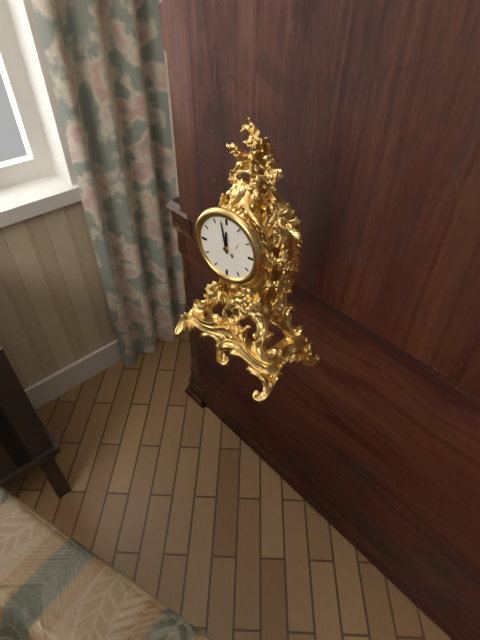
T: 11 h 58 min
